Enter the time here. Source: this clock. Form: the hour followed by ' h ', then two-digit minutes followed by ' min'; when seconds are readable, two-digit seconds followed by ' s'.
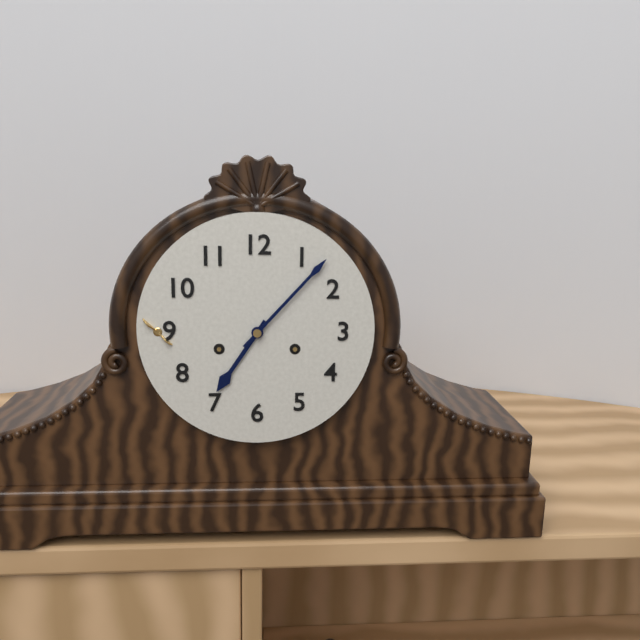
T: 7 h 07 min
